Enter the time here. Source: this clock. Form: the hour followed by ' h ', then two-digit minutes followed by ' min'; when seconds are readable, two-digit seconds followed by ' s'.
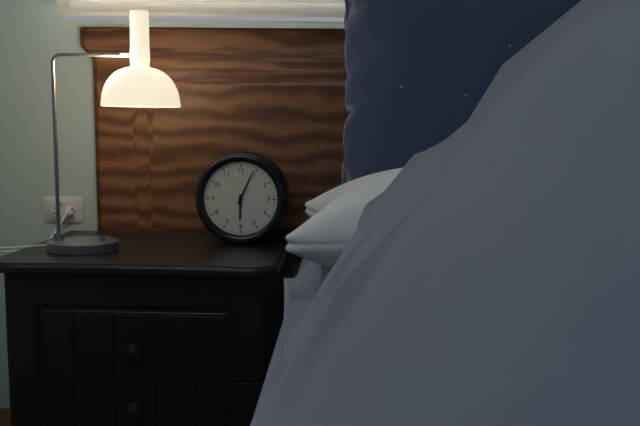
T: 6 h 04 min
